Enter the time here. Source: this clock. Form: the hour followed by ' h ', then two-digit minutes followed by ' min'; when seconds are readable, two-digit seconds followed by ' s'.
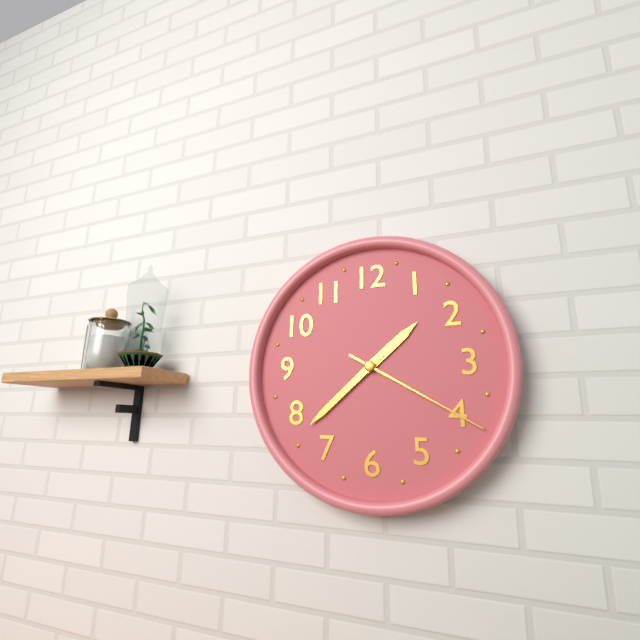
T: 1 h 38 min 20 s
